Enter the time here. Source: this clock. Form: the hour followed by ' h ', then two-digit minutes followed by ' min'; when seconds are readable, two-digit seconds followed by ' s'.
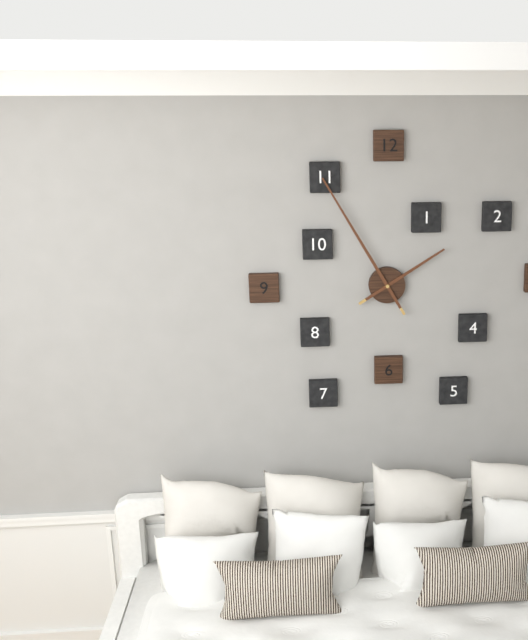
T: 1 h 55 min
